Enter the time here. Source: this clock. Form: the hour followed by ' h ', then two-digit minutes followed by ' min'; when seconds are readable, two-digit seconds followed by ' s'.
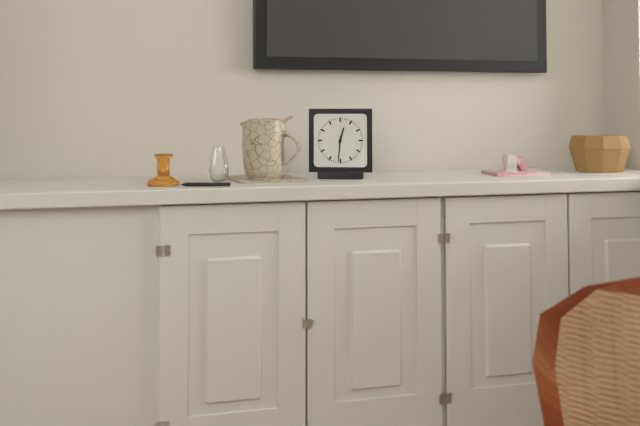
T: 12 h 31 min
